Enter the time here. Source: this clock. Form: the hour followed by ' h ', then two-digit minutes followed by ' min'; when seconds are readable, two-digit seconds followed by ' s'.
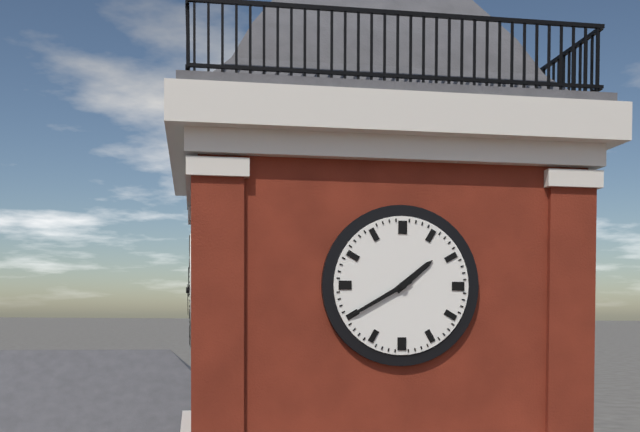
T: 1 h 40 min
